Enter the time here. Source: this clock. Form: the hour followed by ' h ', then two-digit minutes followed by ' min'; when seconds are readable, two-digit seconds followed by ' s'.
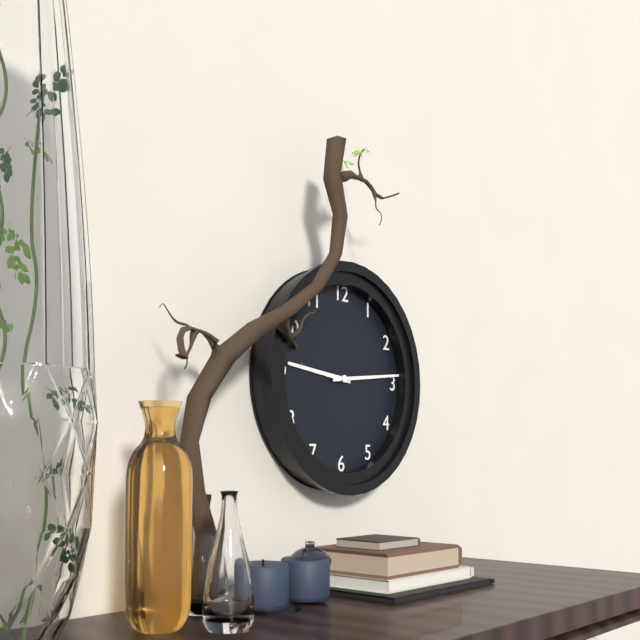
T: 9 h 14 min
